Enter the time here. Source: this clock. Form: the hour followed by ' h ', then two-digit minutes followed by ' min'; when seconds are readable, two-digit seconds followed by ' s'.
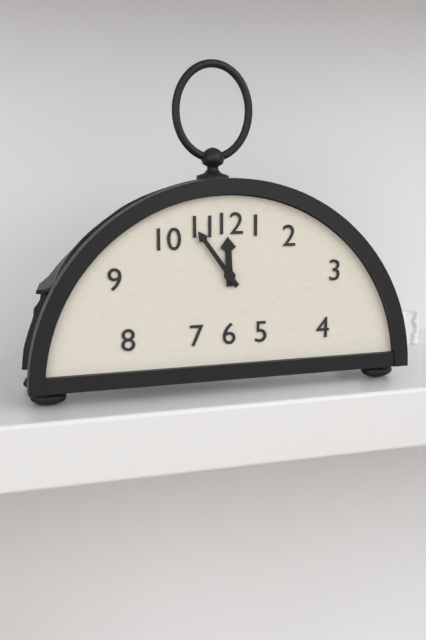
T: 11 h 54 min
